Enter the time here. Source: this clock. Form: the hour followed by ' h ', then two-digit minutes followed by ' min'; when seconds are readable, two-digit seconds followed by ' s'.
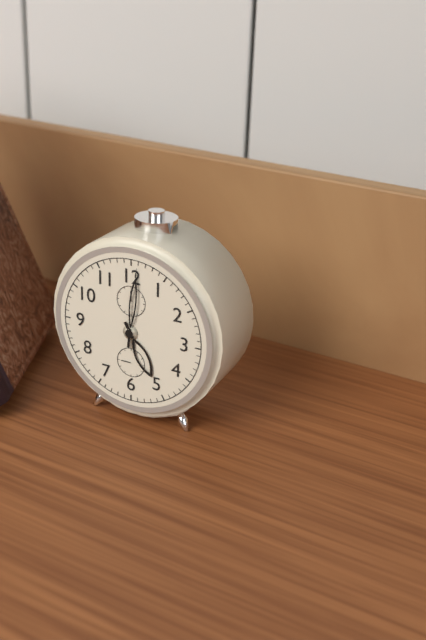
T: 5 h 01 min
